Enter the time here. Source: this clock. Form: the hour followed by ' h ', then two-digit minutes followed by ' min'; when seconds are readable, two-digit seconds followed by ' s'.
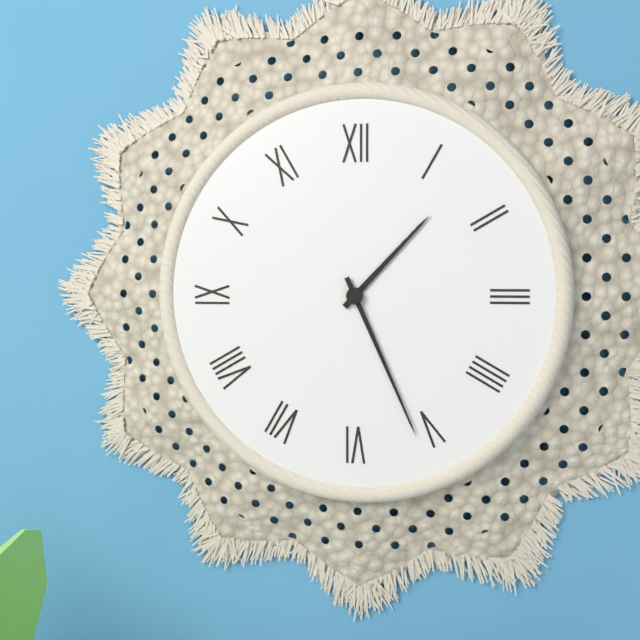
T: 1 h 26 min
